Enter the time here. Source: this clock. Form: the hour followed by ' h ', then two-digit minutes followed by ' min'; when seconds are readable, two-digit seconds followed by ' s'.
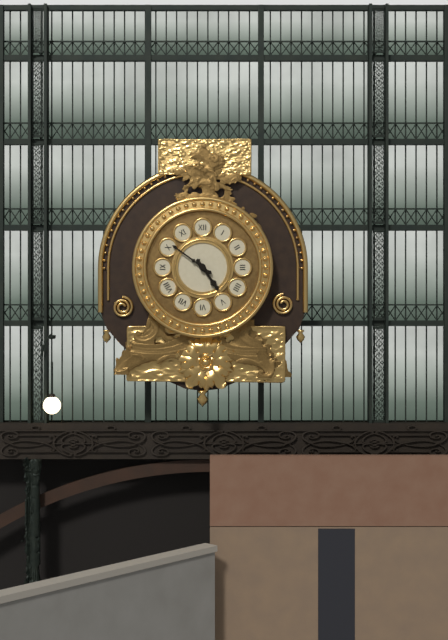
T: 4 h 51 min
